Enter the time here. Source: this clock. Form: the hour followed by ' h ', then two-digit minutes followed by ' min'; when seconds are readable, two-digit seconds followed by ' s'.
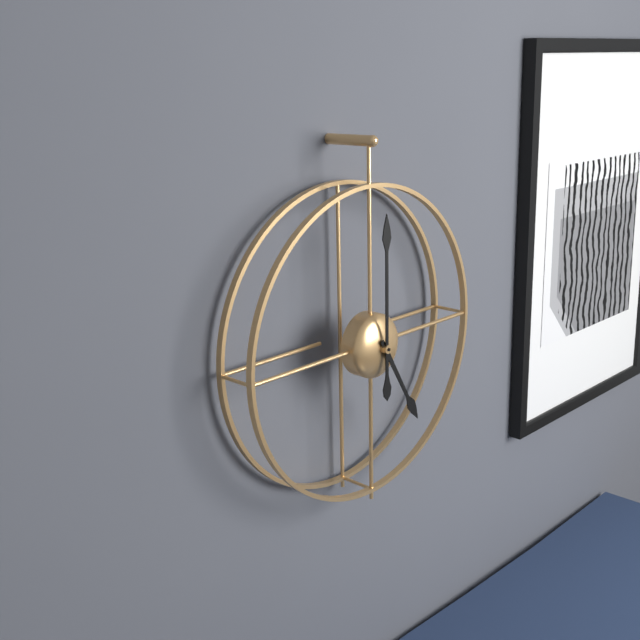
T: 5 h 00 min
